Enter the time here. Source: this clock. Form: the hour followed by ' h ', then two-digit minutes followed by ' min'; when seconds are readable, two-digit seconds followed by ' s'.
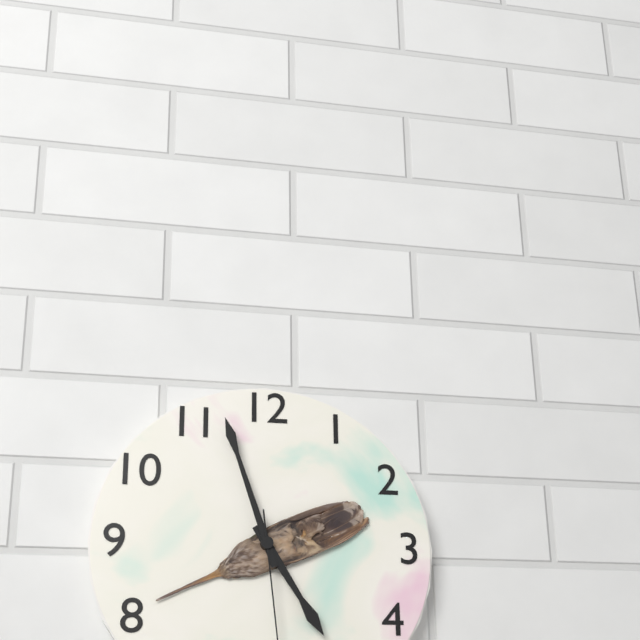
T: 4 h 57 min
